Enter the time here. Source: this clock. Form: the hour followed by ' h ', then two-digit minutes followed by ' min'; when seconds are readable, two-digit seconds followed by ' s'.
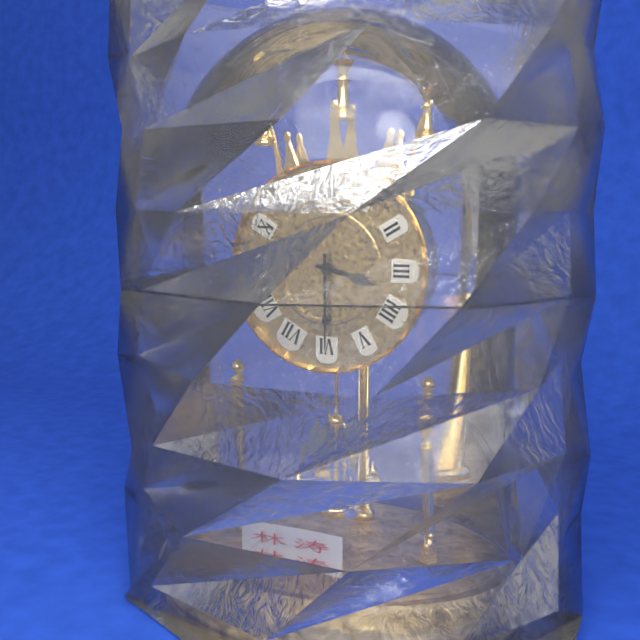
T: 3 h 30 min
